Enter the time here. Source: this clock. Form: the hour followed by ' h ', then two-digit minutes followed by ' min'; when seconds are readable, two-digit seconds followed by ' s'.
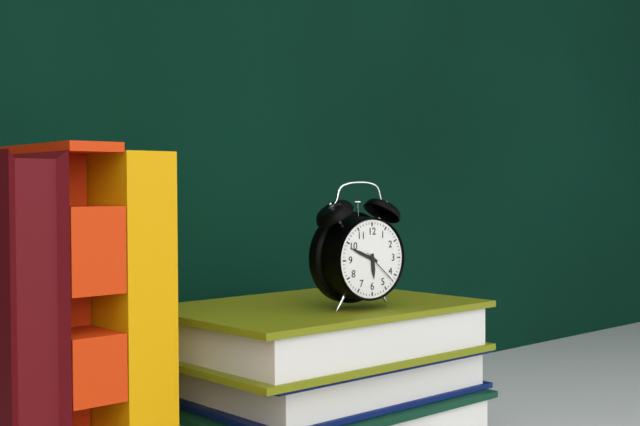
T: 5 h 49 min
